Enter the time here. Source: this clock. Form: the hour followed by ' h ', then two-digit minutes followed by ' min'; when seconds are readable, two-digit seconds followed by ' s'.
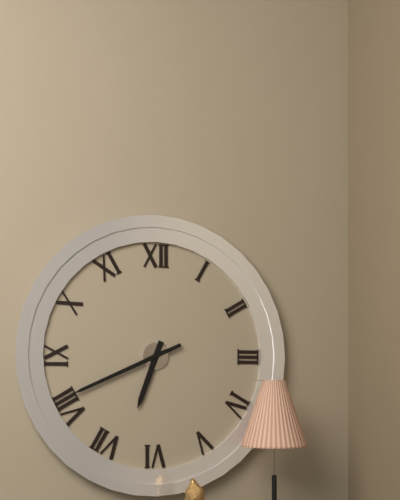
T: 6 h 41 min
